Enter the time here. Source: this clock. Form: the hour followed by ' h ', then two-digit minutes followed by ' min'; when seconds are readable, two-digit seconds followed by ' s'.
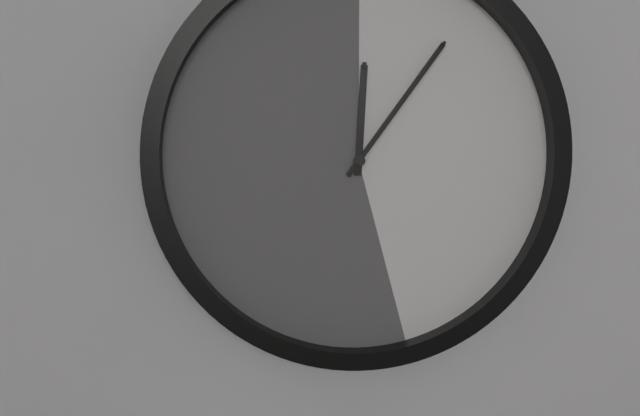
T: 12 h 06 min
